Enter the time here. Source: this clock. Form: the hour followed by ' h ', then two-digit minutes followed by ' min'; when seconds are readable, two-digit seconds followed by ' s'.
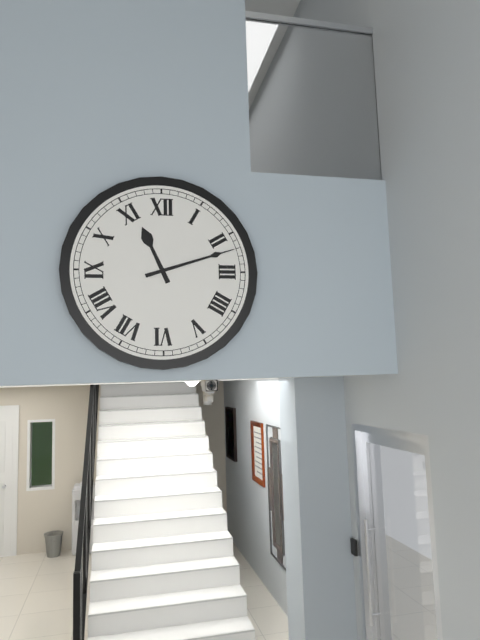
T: 11 h 12 min
